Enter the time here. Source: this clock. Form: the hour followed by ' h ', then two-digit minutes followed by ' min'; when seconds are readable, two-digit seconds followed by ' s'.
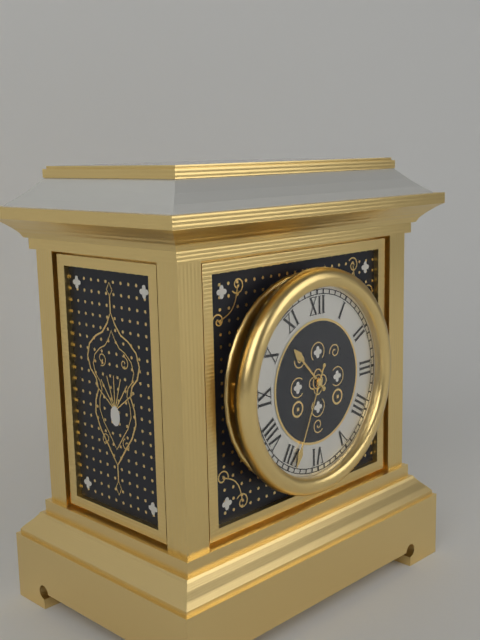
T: 10 h 34 min
